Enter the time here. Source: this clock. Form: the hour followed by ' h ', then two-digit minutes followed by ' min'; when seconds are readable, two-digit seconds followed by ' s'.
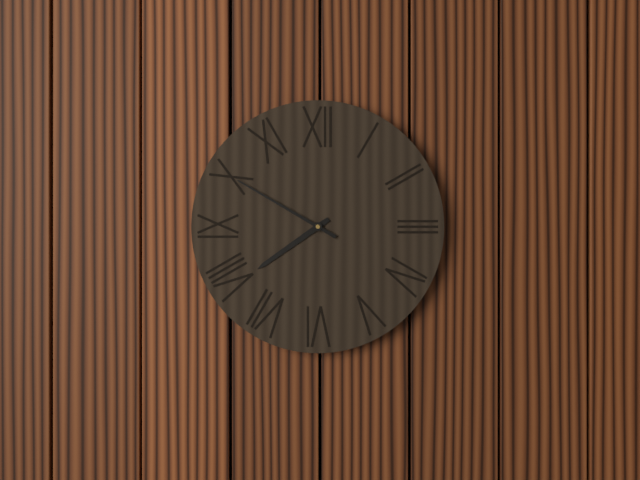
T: 7 h 50 min
